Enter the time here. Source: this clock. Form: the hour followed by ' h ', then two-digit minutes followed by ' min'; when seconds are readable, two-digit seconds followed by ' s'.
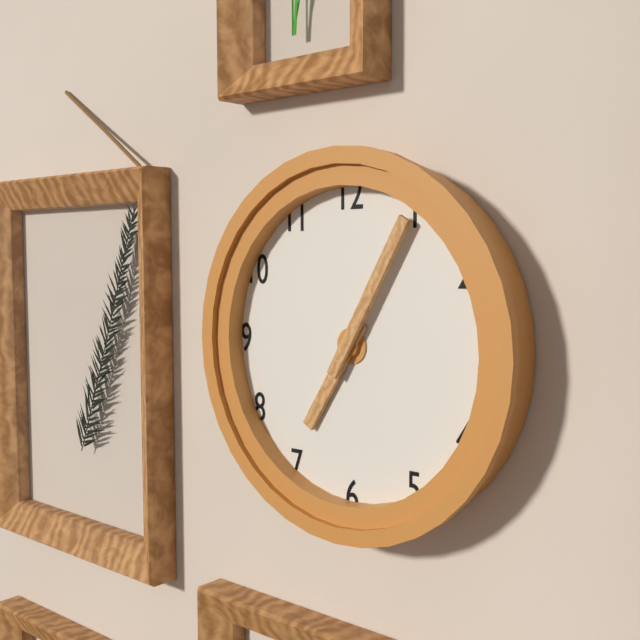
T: 7 h 05 min
